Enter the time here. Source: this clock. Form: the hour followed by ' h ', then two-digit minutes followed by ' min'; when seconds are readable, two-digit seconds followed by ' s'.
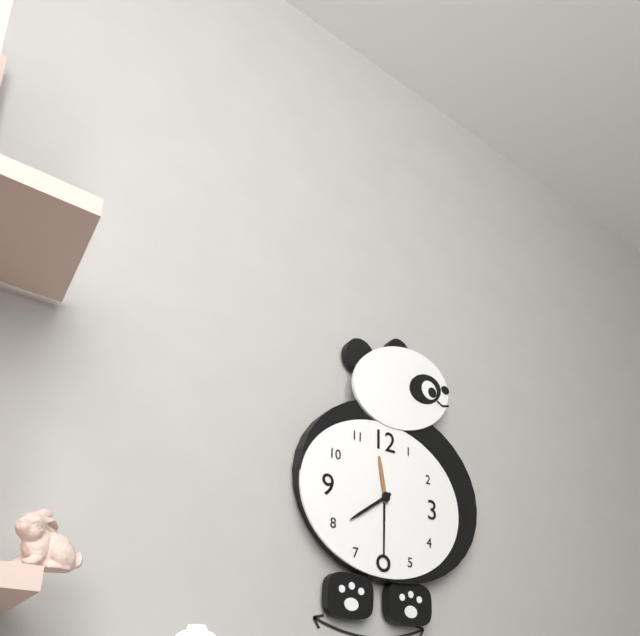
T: 11 h 39 min
